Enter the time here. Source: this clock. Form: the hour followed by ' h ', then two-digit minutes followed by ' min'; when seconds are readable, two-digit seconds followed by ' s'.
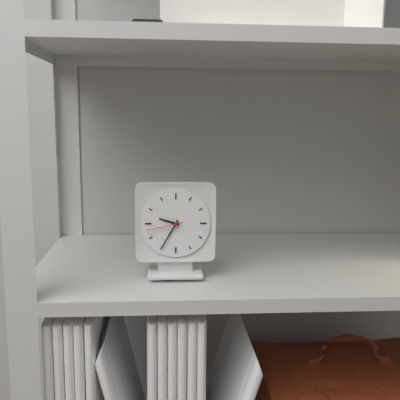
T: 9 h 35 min
